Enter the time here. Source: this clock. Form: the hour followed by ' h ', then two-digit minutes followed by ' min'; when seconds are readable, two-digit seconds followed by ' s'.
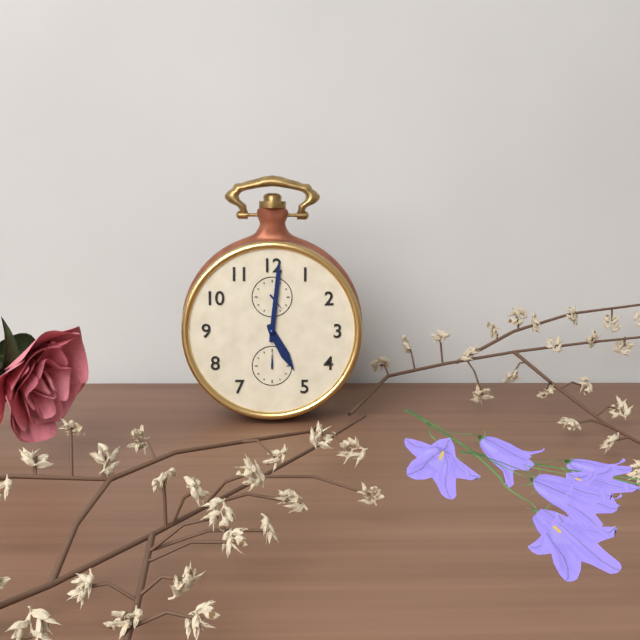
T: 5 h 01 min
